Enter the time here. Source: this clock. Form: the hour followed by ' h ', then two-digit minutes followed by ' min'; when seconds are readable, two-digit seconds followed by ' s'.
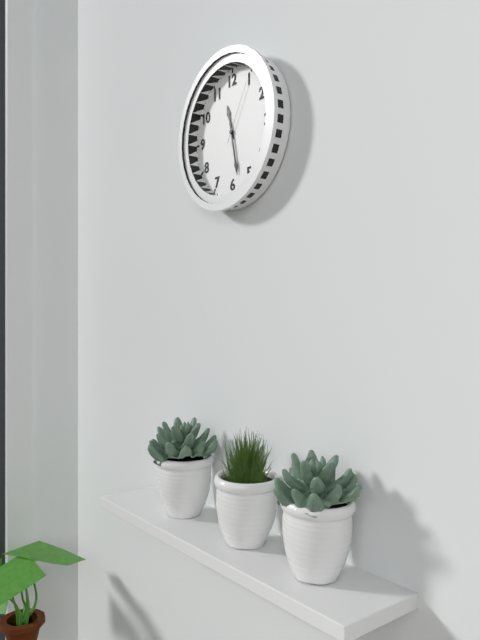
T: 11 h 28 min 05 s
